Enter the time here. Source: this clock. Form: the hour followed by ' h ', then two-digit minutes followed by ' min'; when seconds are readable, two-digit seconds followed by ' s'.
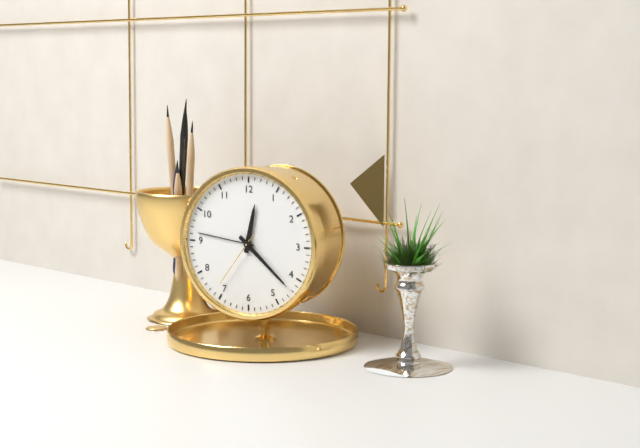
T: 12 h 22 min 36 s
